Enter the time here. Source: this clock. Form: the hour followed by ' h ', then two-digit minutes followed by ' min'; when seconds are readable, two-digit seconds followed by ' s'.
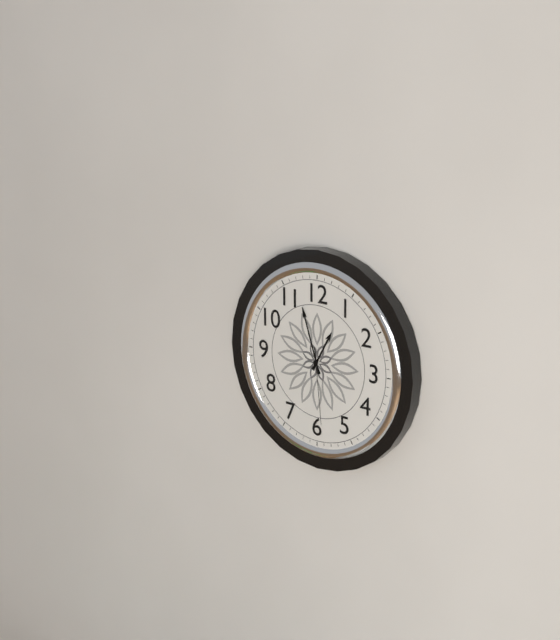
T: 12 h 57 min 29 s
